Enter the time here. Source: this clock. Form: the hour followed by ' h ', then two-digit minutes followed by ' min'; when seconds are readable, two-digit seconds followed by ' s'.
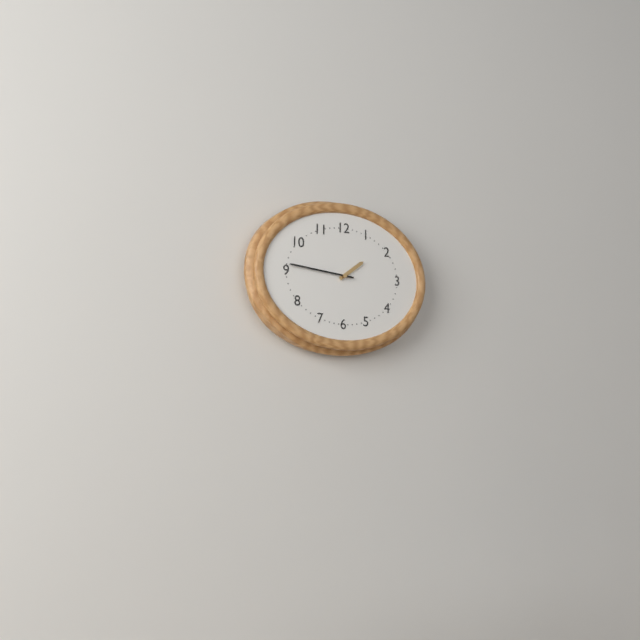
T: 1 h 46 min
